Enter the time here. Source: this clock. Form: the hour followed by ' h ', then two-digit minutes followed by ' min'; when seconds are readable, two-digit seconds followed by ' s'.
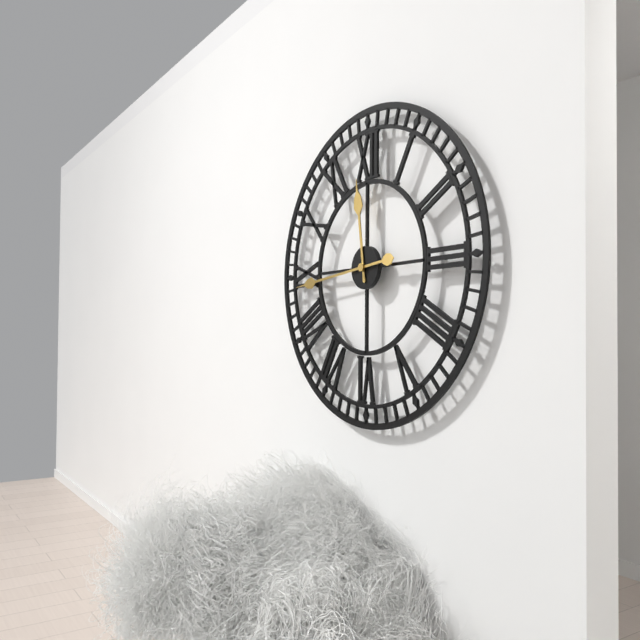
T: 11 h 44 min
